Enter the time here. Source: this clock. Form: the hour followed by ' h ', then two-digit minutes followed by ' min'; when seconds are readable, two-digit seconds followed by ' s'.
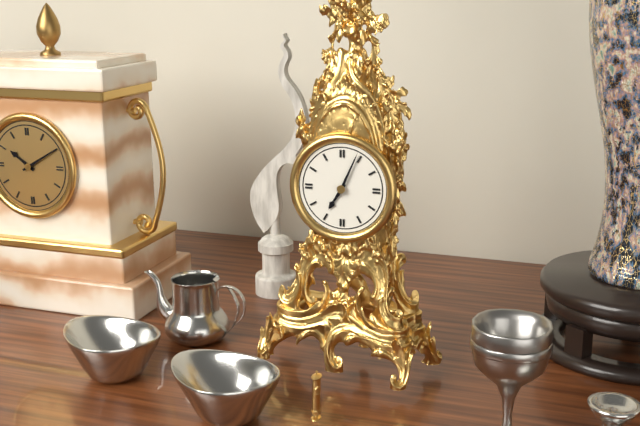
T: 7 h 04 min
